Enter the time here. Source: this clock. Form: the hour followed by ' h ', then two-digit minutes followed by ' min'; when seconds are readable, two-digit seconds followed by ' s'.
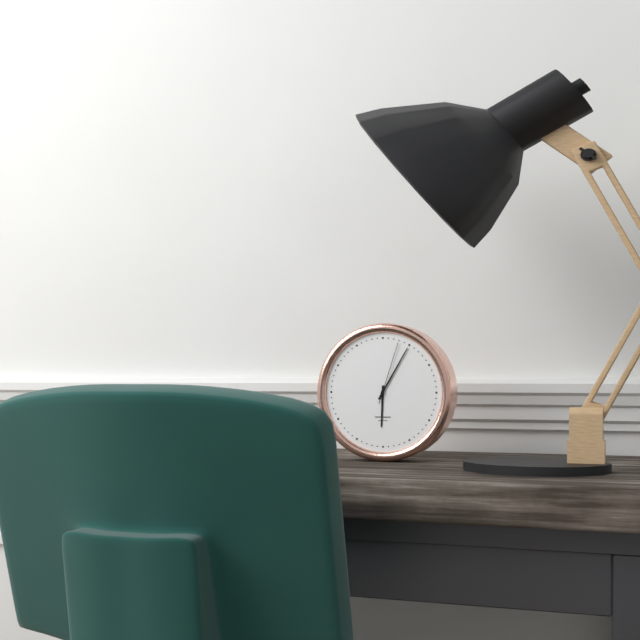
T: 6 h 05 min 03 s
